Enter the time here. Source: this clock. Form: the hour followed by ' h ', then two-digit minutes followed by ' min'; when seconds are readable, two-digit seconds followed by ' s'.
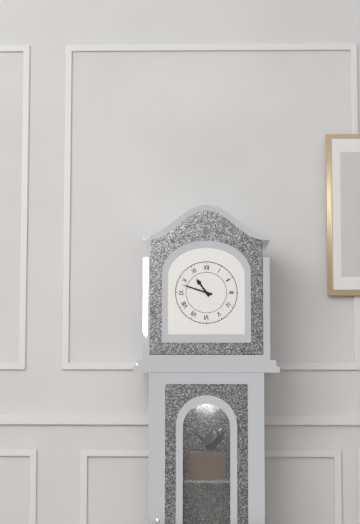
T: 10 h 48 min
